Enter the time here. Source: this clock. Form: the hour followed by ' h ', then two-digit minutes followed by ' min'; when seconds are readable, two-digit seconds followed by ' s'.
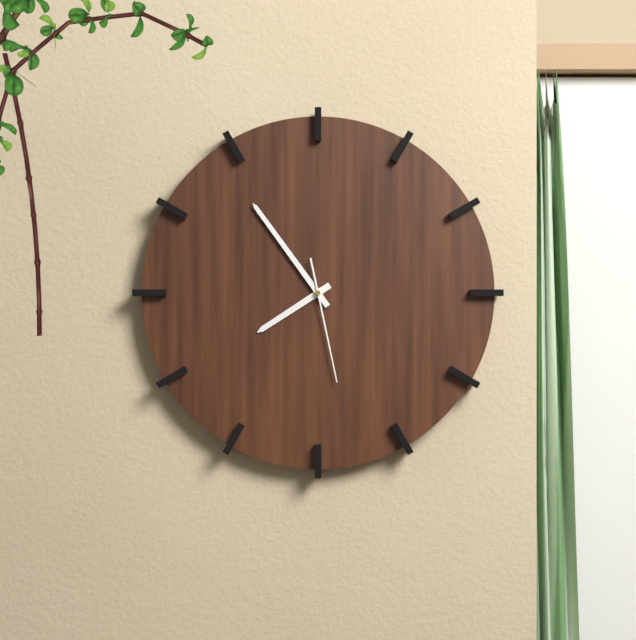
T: 7 h 54 min 28 s
